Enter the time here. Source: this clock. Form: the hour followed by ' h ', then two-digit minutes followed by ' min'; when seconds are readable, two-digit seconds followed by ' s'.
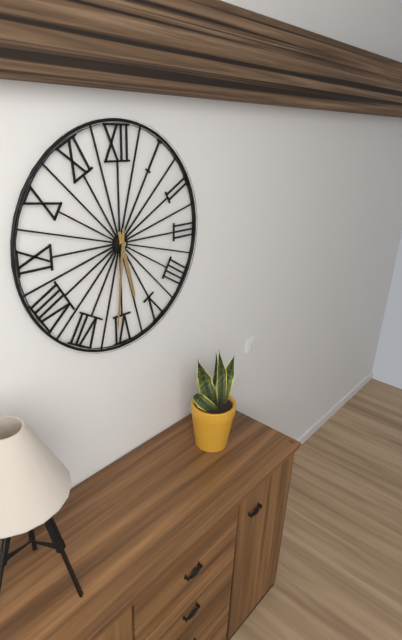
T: 5 h 31 min
